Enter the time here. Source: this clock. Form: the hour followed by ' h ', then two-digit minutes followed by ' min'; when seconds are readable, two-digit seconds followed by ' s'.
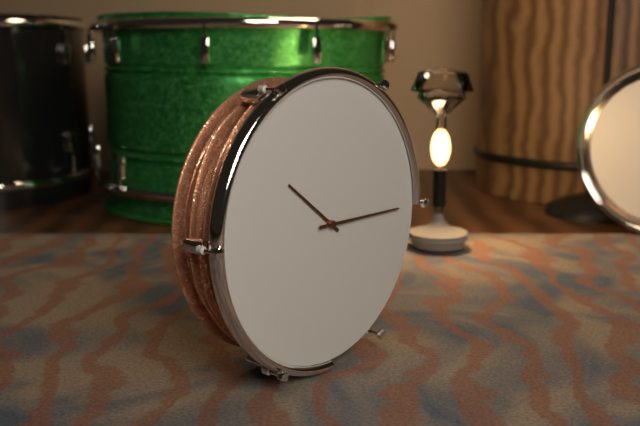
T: 10 h 15 min
